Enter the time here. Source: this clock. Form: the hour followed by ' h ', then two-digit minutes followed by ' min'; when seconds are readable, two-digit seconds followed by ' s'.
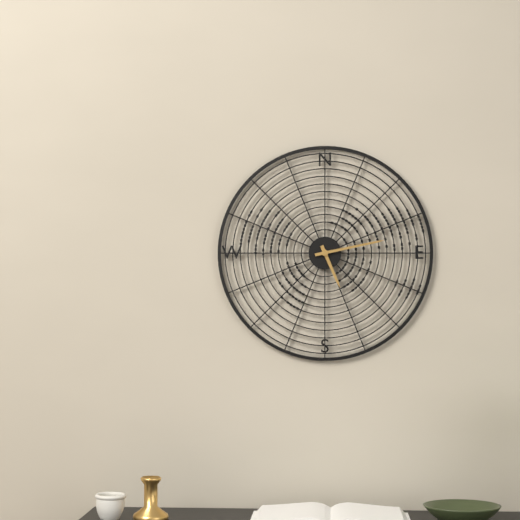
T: 5 h 13 min
